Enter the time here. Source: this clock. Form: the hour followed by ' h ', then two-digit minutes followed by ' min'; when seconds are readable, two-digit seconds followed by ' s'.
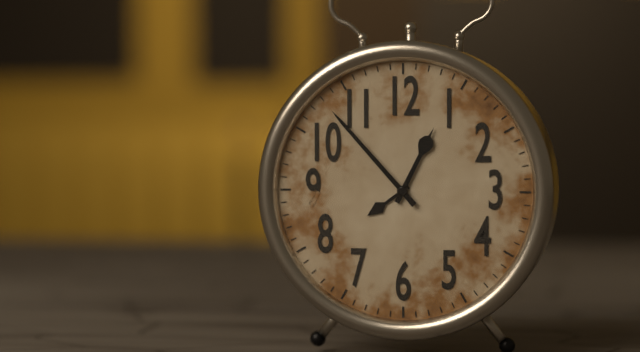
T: 12 h 53 min
